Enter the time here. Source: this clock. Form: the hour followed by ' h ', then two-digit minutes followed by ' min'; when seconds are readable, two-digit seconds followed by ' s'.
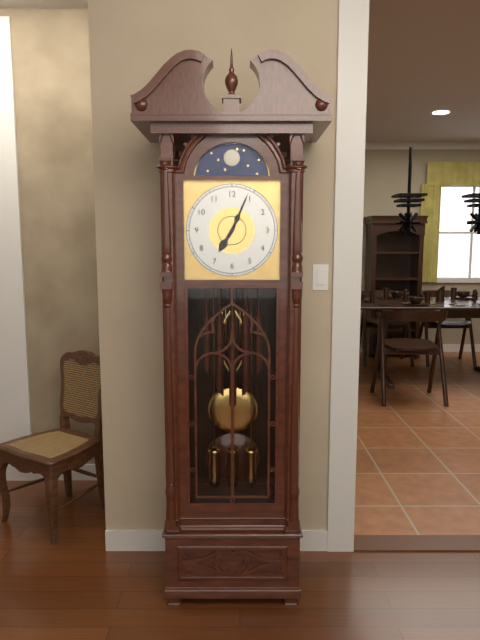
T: 7 h 04 min
